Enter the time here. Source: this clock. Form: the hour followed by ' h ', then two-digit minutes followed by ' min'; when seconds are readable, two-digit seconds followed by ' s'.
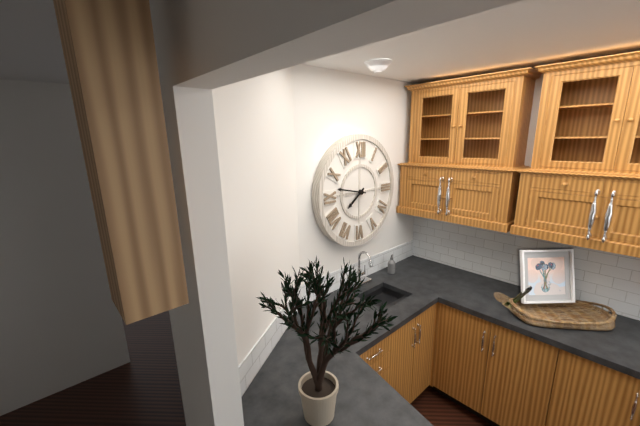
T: 7 h 47 min
